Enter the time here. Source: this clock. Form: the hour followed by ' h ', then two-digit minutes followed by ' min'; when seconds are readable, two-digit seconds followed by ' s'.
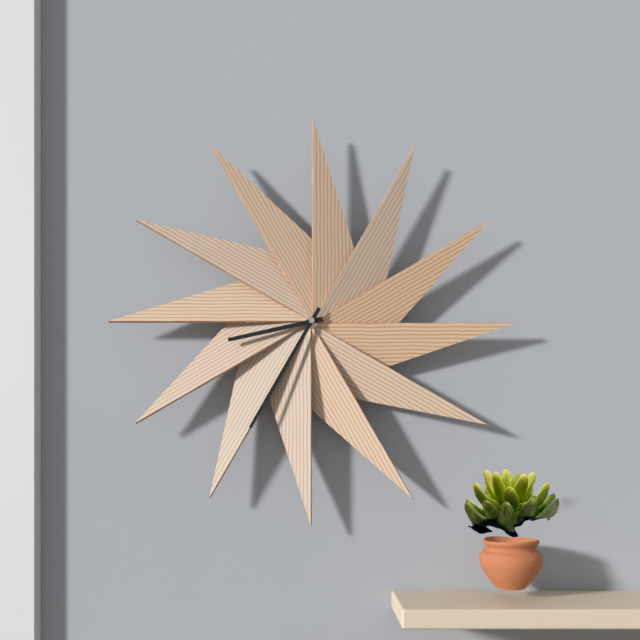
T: 8 h 35 min
